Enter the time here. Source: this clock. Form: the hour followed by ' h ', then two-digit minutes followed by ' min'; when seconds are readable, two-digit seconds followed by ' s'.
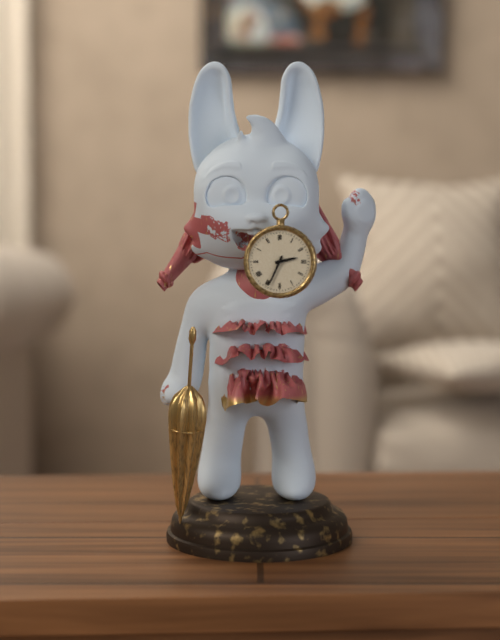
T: 2 h 34 min
